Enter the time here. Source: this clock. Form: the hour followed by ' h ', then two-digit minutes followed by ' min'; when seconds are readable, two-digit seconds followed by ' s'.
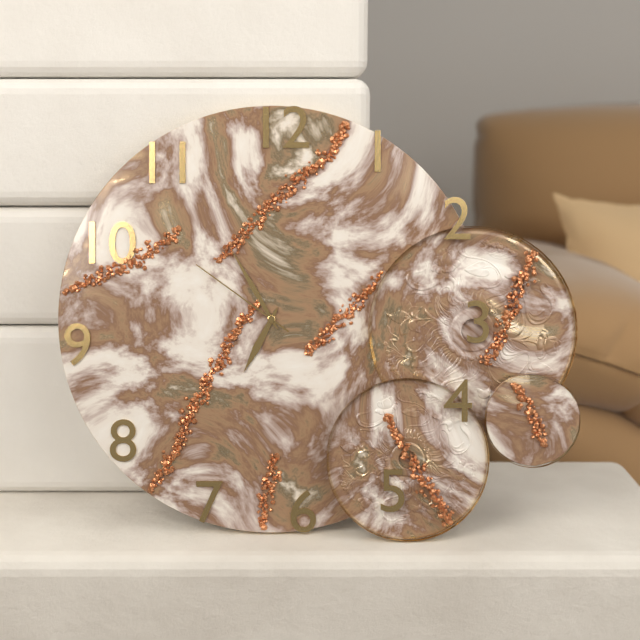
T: 6 h 55 min 51 s
